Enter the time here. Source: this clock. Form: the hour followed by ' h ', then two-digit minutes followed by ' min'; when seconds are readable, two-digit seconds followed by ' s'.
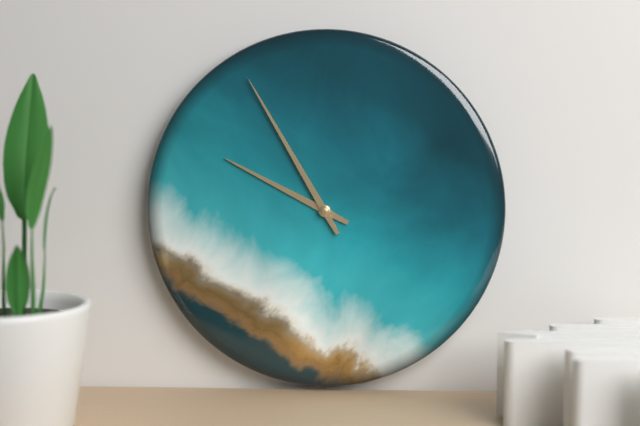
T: 9 h 55 min
